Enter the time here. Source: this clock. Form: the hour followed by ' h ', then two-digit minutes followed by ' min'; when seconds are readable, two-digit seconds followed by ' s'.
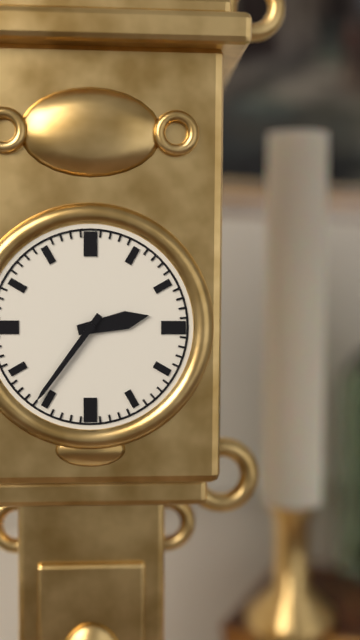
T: 2 h 36 min
